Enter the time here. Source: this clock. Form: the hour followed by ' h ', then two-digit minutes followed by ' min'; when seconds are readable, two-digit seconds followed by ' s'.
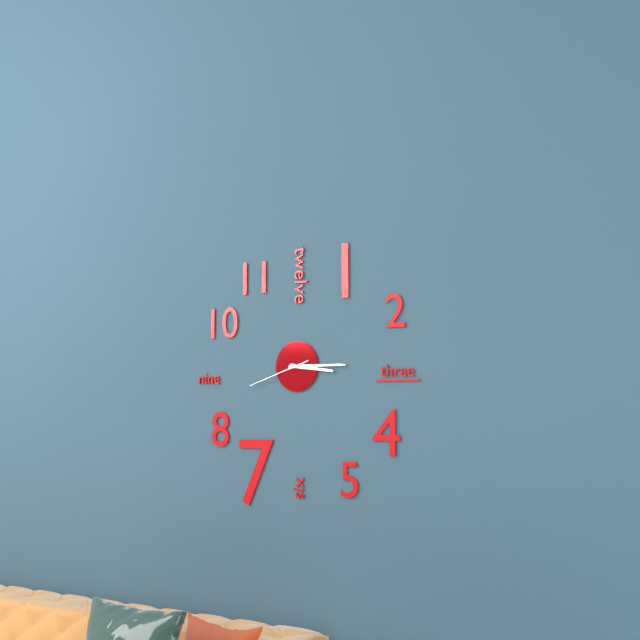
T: 3 h 15 min 42 s
